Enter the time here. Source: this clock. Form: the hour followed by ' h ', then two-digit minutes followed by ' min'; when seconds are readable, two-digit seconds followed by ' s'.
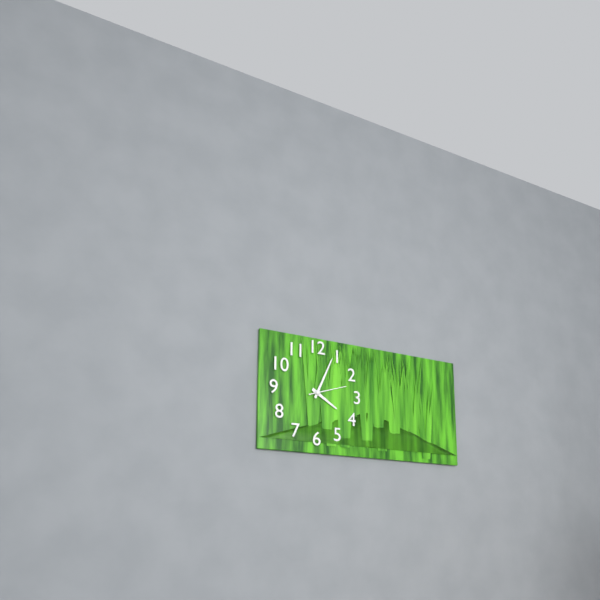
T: 4 h 04 min
